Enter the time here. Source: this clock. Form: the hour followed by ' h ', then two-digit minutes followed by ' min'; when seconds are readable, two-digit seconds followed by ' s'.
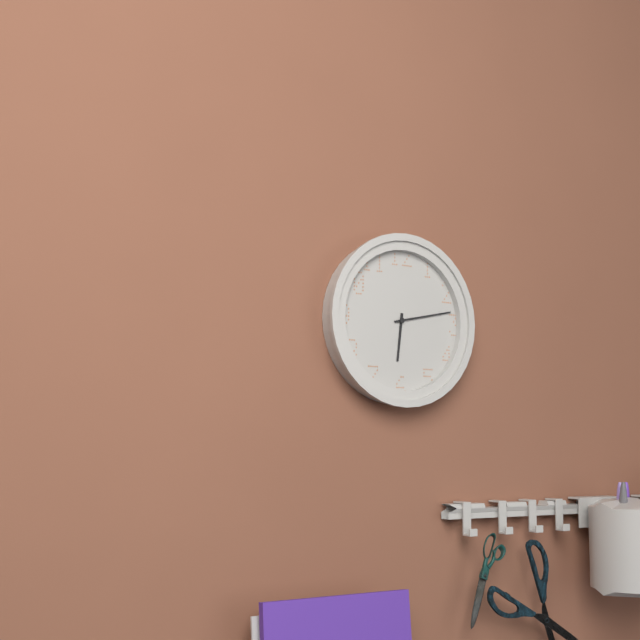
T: 6 h 13 min
